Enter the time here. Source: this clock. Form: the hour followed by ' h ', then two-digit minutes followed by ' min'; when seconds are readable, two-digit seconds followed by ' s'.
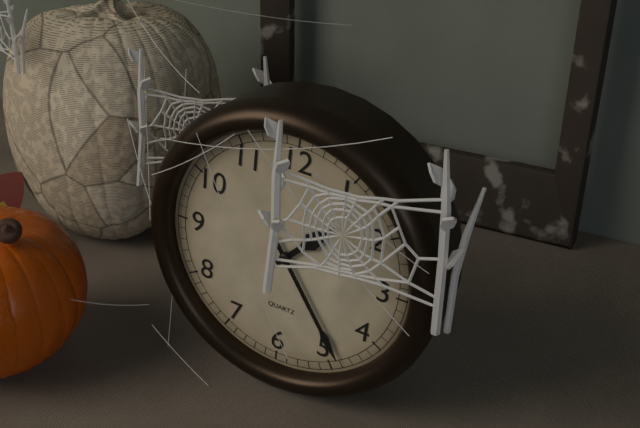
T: 1 h 24 min
